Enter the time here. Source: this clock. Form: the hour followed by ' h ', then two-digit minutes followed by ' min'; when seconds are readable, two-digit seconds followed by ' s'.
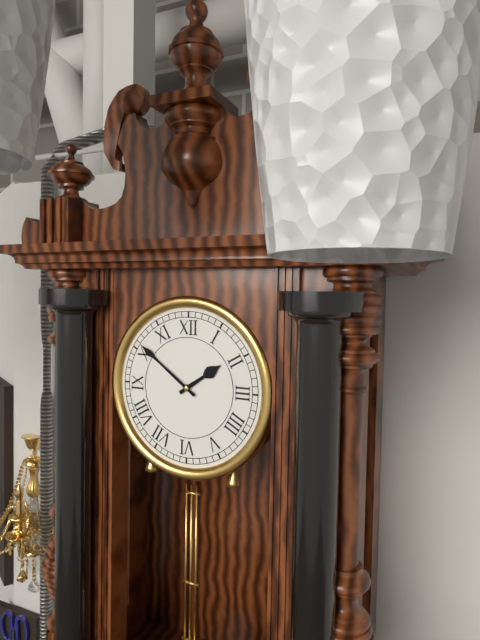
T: 1 h 51 min
